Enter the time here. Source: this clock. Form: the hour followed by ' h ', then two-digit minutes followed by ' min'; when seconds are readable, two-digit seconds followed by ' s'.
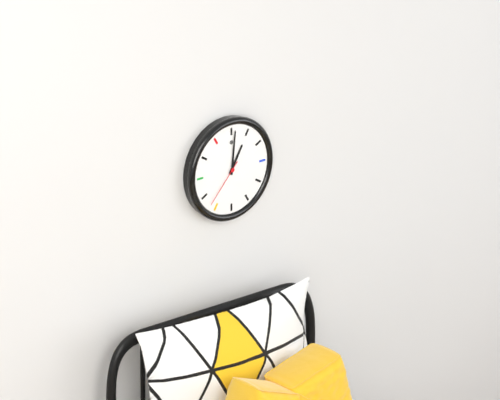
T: 1 h 01 min 37 s
